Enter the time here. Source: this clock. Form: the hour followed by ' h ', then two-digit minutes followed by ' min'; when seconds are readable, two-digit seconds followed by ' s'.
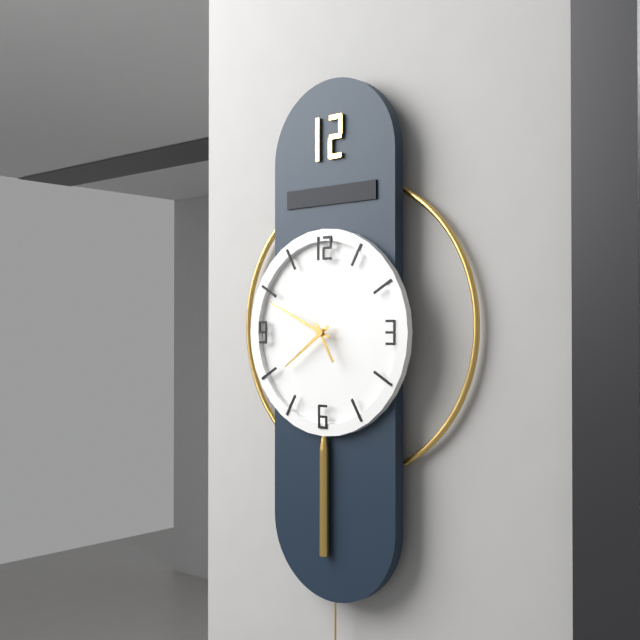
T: 7 h 49 min
